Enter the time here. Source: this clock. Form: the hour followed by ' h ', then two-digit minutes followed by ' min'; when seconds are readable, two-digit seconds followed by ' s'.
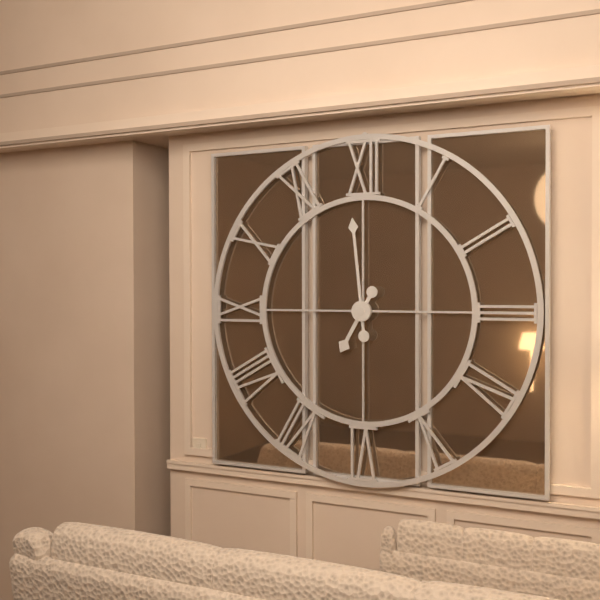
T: 6 h 59 min
